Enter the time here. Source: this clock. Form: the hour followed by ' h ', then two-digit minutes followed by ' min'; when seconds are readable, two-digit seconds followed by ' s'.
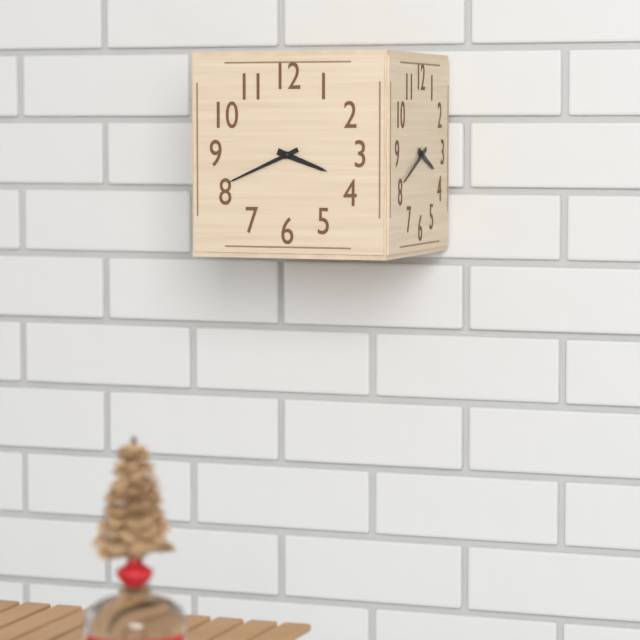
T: 3 h 41 min
